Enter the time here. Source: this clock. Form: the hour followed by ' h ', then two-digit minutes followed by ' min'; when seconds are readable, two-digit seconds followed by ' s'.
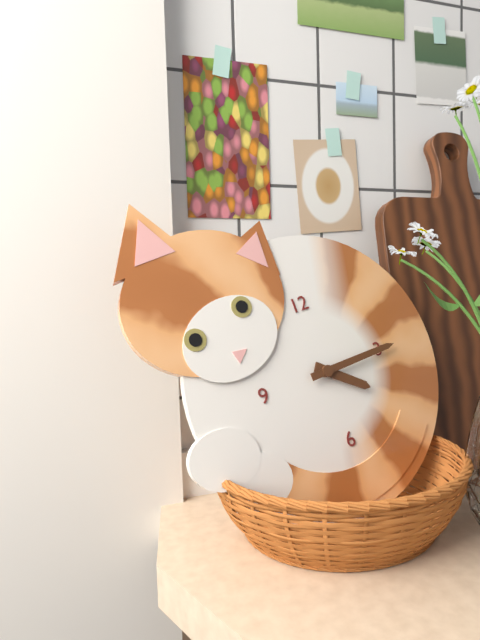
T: 4 h 15 min
